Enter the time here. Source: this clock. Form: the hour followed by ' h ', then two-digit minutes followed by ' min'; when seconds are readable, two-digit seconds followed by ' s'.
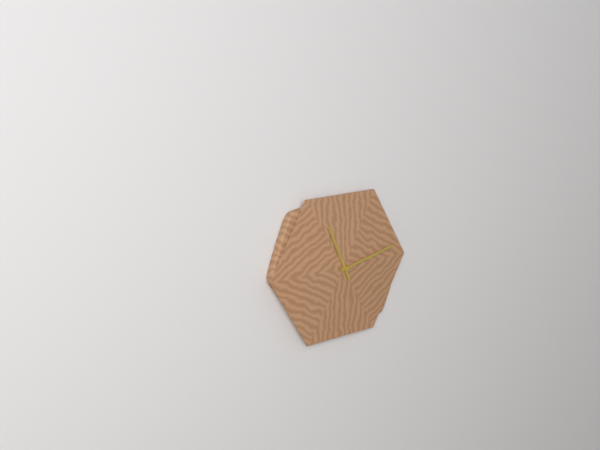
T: 11 h 13 min
